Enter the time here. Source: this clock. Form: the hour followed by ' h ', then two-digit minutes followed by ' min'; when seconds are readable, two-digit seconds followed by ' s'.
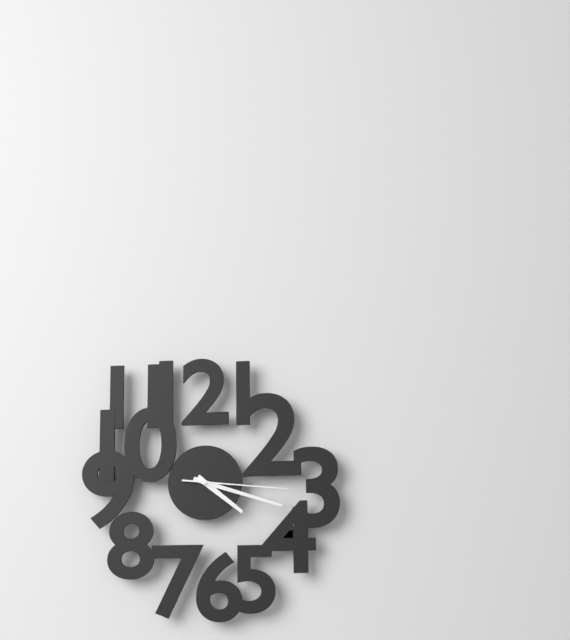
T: 4 h 18 min 16 s
